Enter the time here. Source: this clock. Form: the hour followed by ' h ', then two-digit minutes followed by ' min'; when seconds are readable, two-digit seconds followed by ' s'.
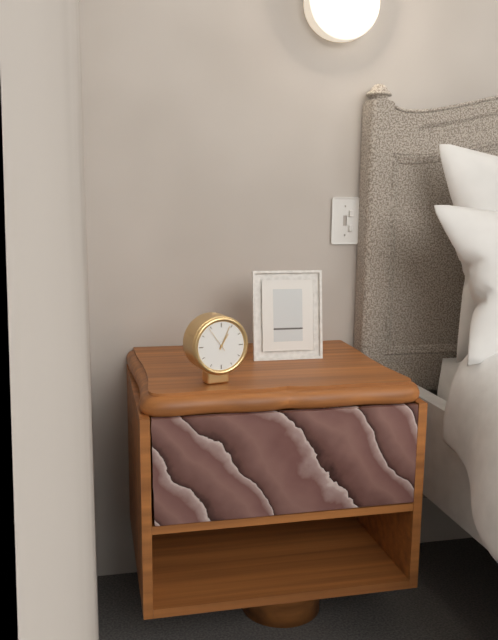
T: 1 h 04 min
